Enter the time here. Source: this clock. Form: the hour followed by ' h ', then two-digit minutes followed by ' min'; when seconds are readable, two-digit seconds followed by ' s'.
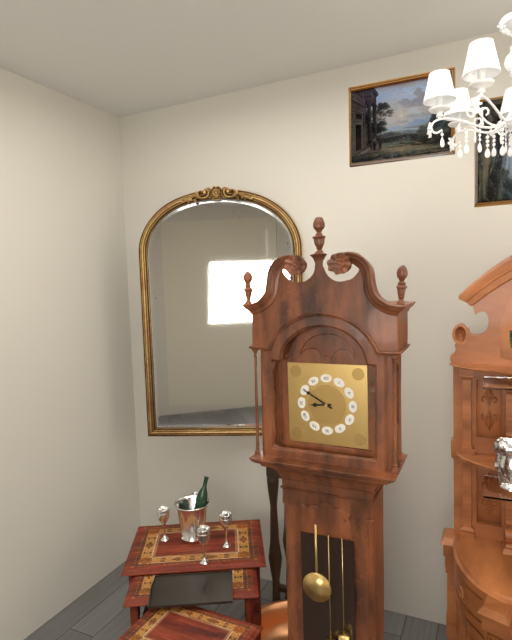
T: 8 h 50 min
